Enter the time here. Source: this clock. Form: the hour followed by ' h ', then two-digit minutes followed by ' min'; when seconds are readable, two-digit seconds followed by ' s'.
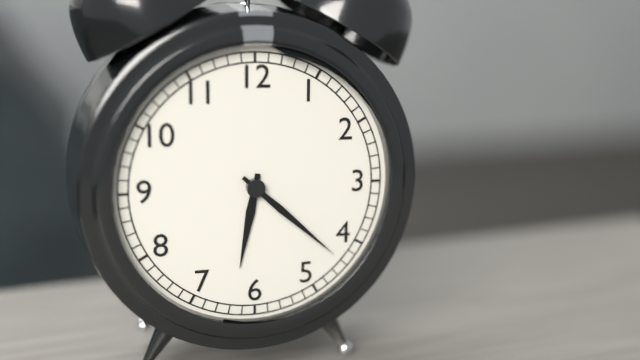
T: 6 h 22 min
